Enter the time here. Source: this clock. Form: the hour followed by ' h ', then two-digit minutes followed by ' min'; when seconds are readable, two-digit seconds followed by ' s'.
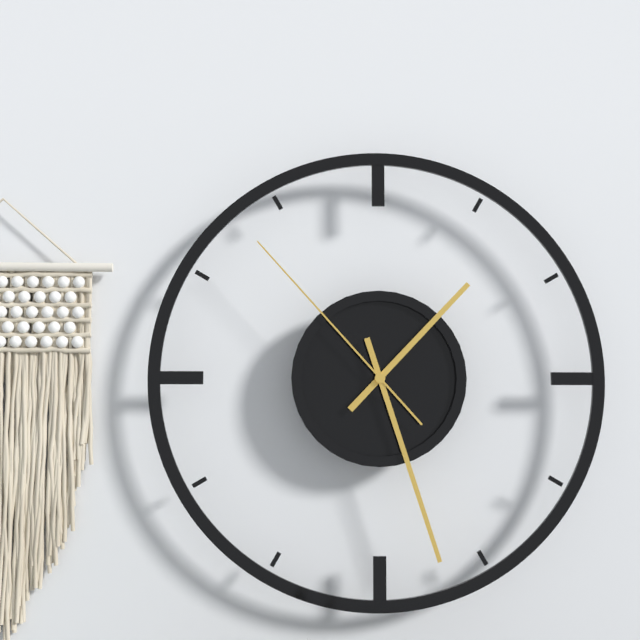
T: 1 h 27 min 53 s
